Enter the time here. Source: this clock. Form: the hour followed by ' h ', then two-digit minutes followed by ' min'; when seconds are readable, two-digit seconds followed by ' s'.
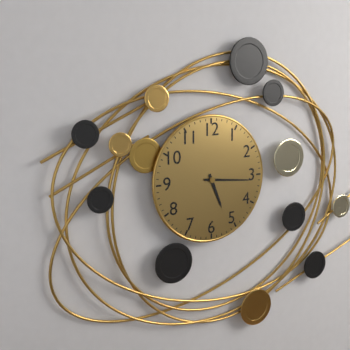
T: 5 h 16 min
